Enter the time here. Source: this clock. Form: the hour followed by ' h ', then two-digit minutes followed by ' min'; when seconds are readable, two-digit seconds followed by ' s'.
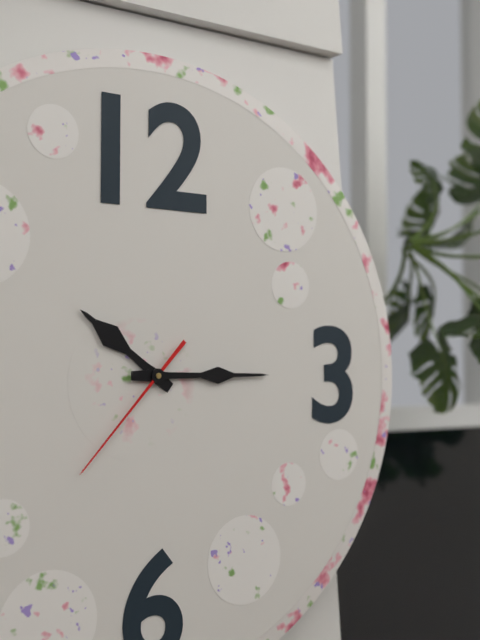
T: 10 h 15 min 37 s
